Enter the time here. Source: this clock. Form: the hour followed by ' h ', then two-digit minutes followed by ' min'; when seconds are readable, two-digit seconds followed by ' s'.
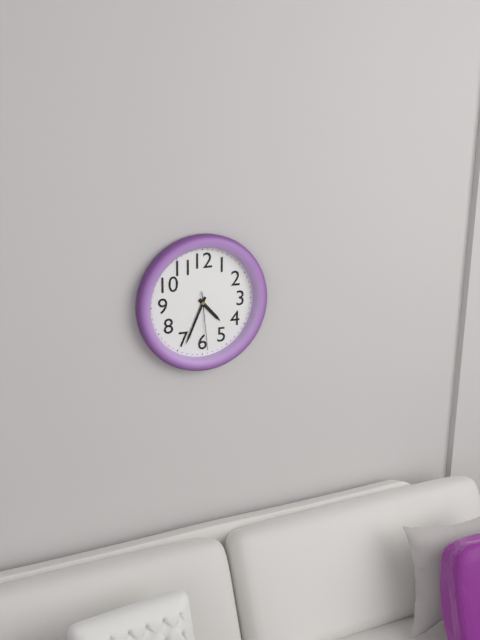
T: 4 h 34 min 29 s
